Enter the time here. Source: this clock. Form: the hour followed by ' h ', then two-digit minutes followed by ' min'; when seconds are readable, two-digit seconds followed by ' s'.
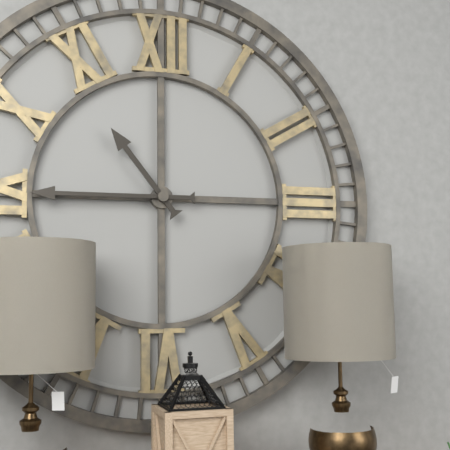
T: 10 h 45 min
